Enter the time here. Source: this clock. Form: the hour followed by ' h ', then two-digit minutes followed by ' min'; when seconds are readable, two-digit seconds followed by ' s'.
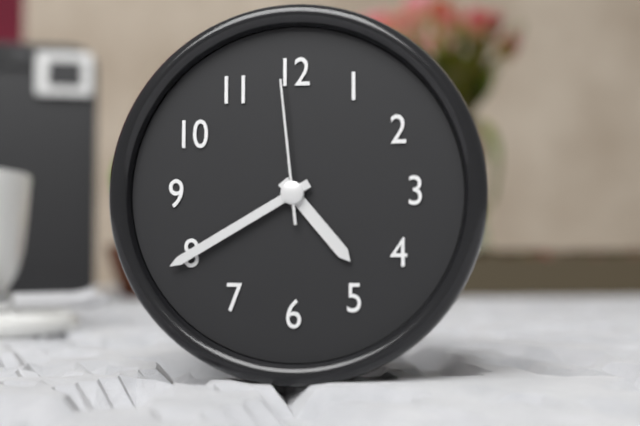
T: 4 h 40 min 59 s
